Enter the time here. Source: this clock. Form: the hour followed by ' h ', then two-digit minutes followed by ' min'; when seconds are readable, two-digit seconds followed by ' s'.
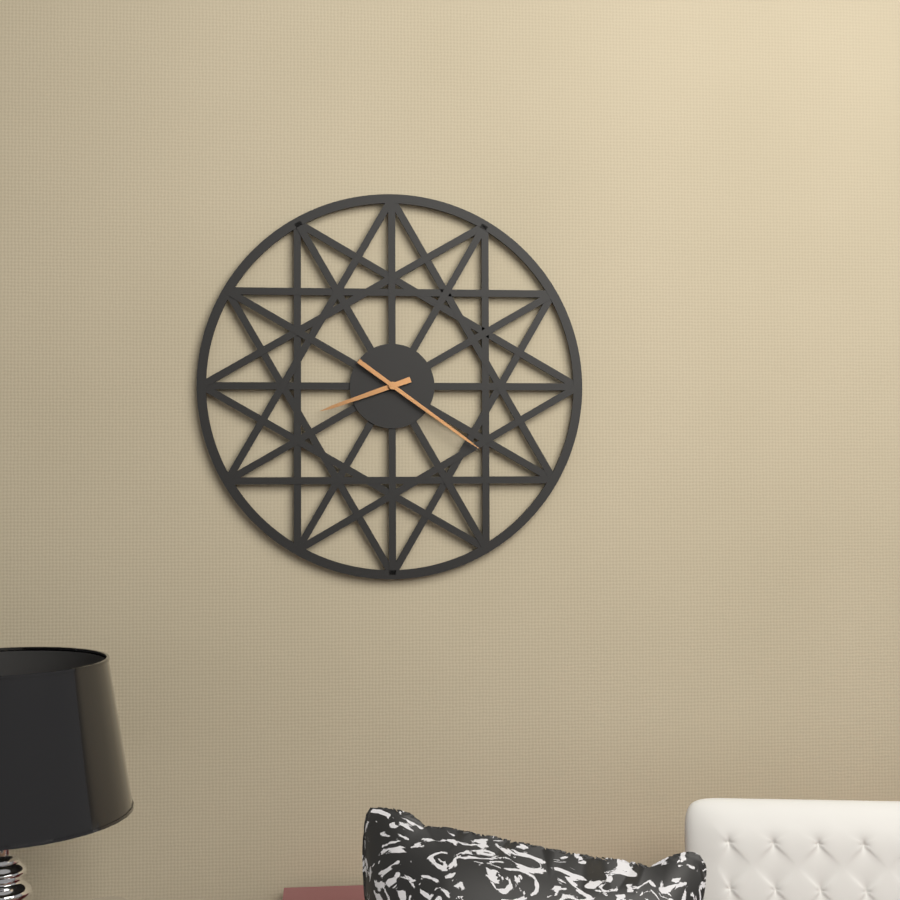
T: 8 h 21 min
